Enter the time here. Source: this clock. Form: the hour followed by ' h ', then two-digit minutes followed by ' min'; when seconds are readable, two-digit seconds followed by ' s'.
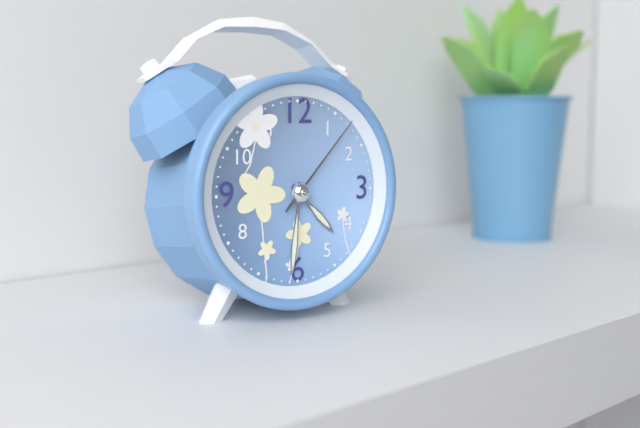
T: 4 h 31 min 07 s
